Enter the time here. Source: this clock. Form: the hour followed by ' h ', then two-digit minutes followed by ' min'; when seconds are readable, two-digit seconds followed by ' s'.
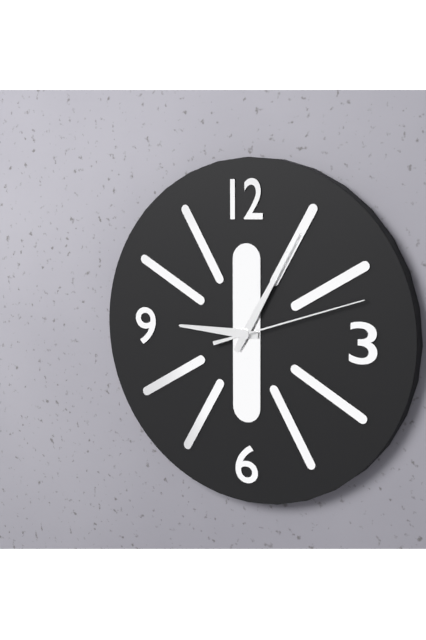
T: 9 h 05 min 12 s
